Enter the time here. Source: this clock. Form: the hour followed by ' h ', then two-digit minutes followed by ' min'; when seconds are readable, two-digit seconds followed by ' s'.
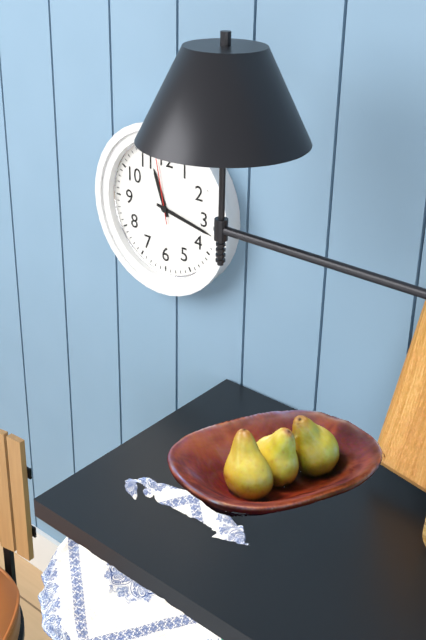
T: 11 h 17 min 58 s
